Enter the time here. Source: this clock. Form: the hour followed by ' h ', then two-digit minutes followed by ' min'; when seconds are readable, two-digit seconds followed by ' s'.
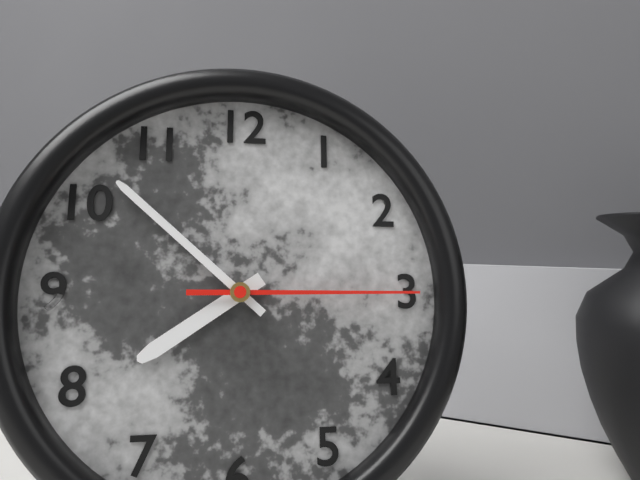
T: 7 h 52 min 15 s
